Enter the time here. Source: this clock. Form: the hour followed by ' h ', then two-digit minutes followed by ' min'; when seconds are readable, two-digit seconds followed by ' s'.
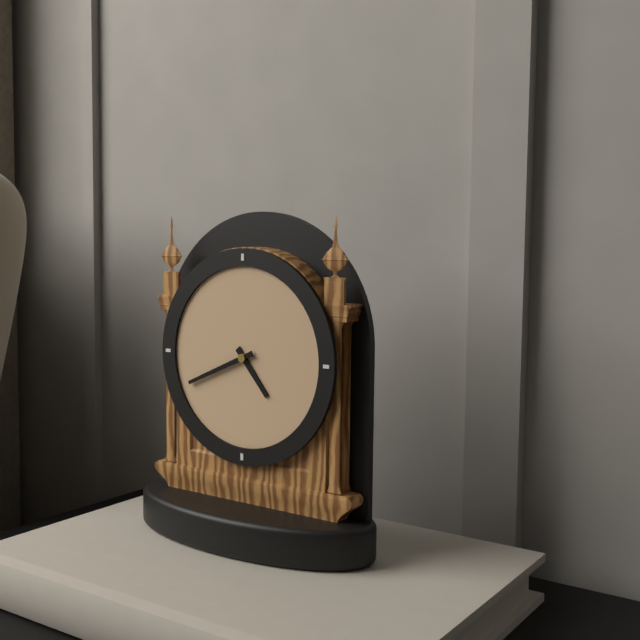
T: 4 h 41 min
